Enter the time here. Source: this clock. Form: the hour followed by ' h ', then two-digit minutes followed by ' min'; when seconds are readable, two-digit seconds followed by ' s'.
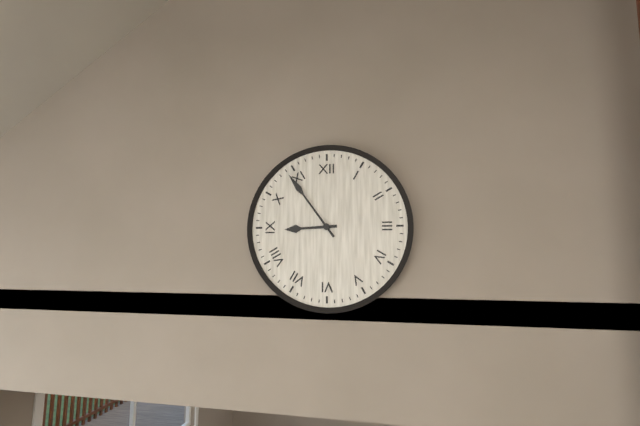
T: 8 h 54 min
